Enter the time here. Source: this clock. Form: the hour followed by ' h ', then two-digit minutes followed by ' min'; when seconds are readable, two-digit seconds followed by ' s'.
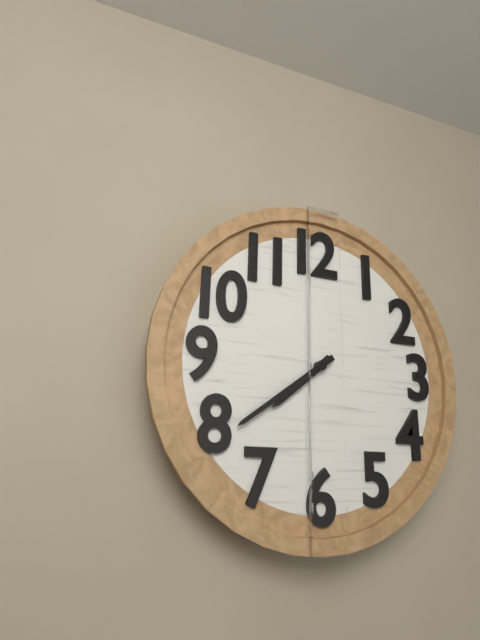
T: 7 h 39 min
